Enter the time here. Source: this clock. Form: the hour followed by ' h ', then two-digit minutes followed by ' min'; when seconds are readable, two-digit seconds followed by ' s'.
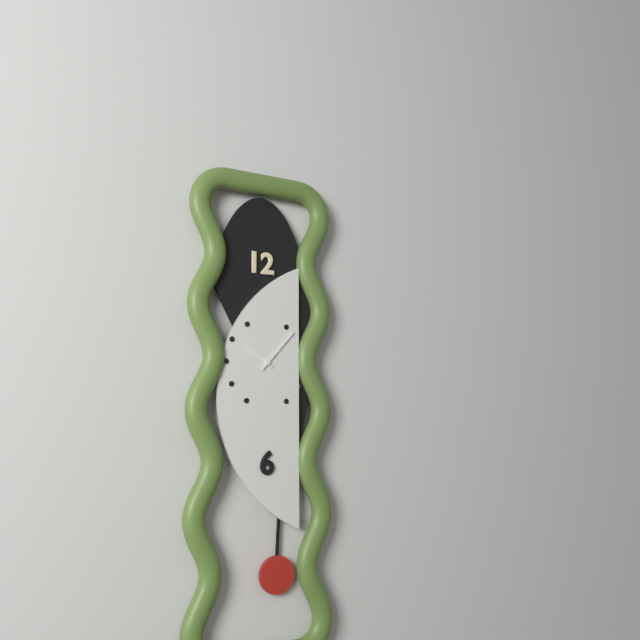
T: 10 h 07 min
